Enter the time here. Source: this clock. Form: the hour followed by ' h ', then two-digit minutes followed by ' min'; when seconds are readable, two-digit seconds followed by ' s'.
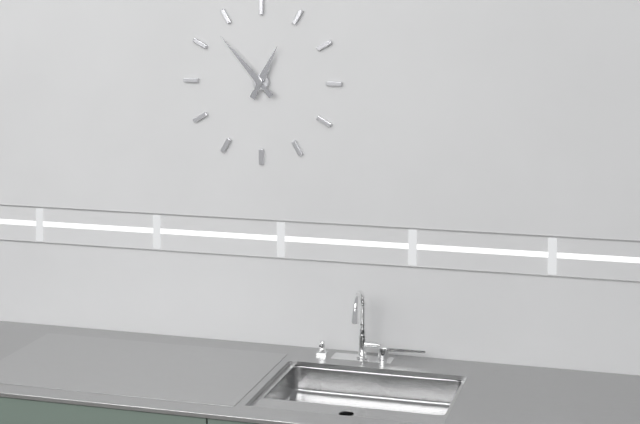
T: 12 h 53 min
